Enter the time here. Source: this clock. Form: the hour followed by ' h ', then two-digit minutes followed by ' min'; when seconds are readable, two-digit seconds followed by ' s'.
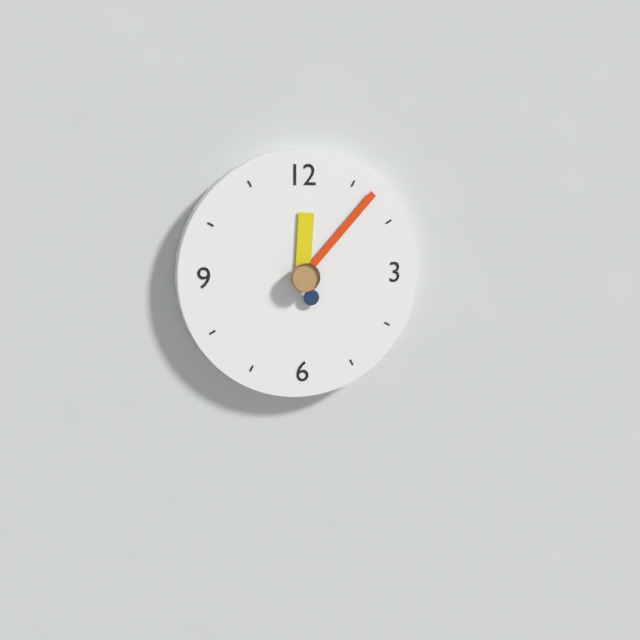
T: 12 h 07 min
